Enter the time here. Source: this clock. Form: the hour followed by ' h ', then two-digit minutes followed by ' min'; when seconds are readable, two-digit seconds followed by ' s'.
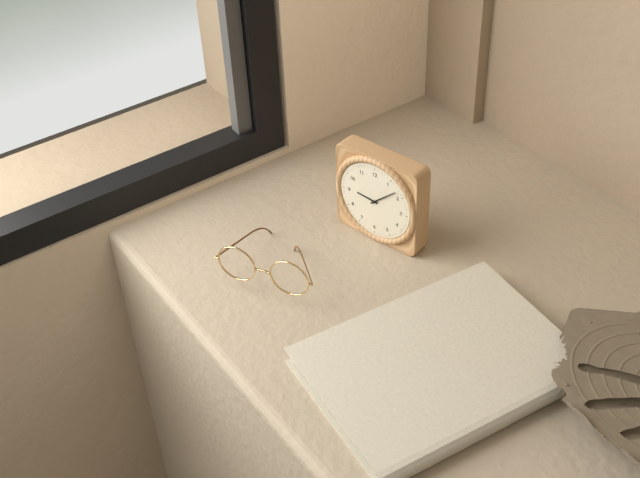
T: 9 h 08 min
